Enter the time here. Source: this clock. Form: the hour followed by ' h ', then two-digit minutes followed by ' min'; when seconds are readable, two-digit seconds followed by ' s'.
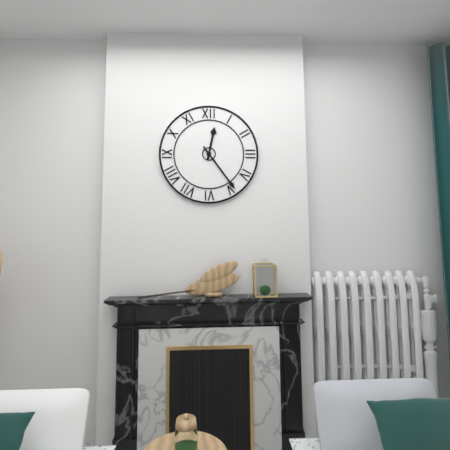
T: 12 h 24 min
